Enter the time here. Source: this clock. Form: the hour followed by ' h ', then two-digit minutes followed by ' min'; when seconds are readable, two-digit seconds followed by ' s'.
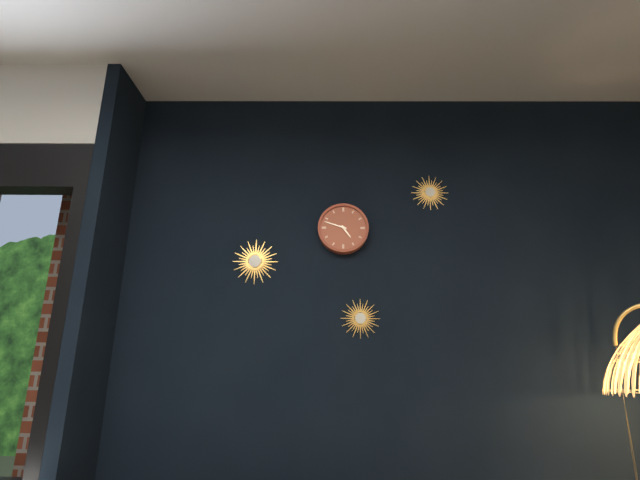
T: 4 h 48 min
